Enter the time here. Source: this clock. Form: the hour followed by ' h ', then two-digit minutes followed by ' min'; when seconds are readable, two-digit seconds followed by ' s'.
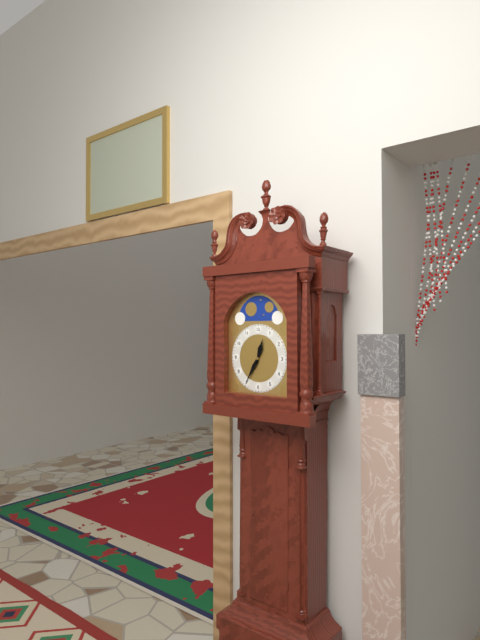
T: 12 h 35 min
